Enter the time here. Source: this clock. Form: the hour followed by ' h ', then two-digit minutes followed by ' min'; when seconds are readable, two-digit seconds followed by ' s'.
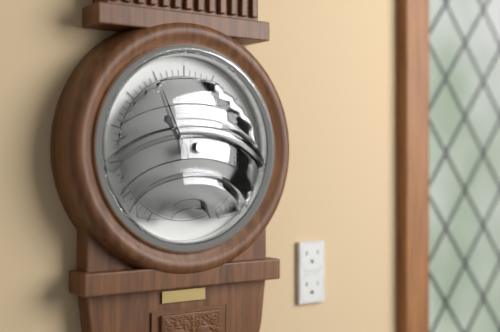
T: 10 h 56 min
